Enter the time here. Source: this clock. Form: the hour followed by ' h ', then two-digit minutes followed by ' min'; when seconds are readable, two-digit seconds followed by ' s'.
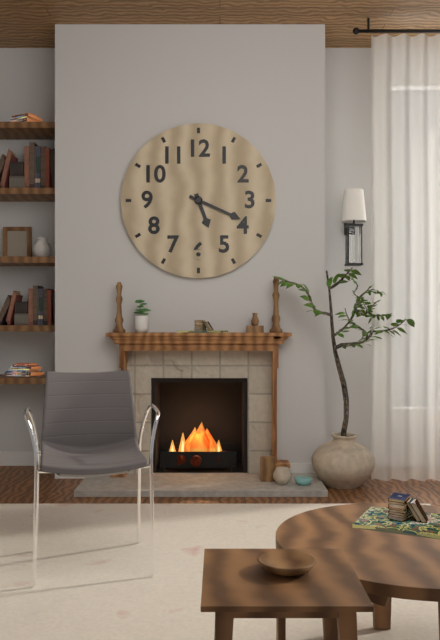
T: 5 h 19 min
